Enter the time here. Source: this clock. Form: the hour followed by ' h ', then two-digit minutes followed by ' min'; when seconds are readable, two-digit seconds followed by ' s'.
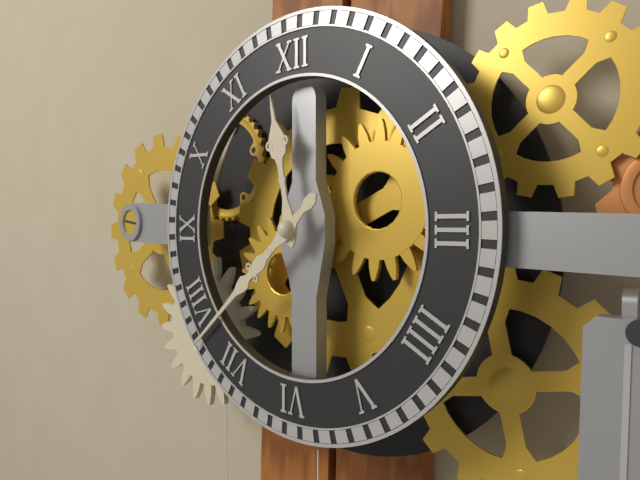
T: 11 h 38 min
